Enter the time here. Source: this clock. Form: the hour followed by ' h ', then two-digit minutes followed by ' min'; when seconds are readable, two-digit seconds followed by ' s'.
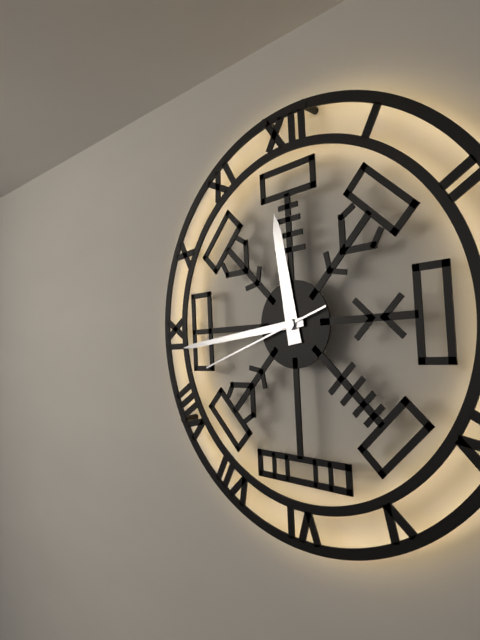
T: 11 h 44 min 42 s
